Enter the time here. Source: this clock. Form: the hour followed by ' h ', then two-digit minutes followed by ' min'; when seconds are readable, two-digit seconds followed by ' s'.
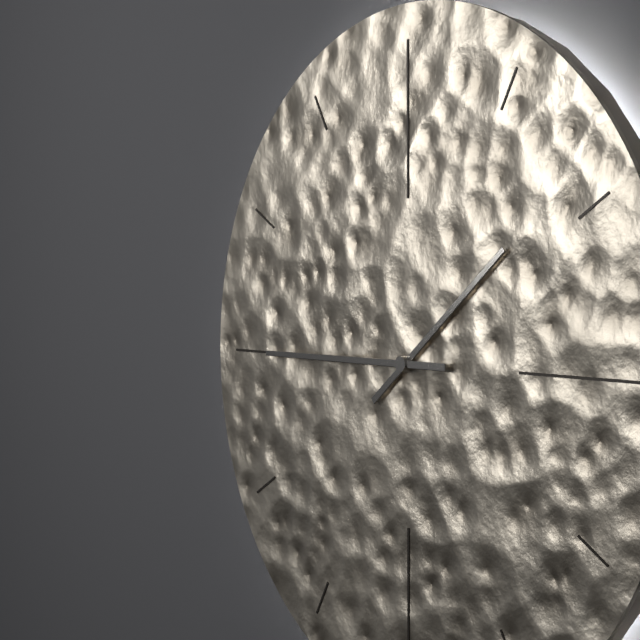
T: 1 h 45 min
